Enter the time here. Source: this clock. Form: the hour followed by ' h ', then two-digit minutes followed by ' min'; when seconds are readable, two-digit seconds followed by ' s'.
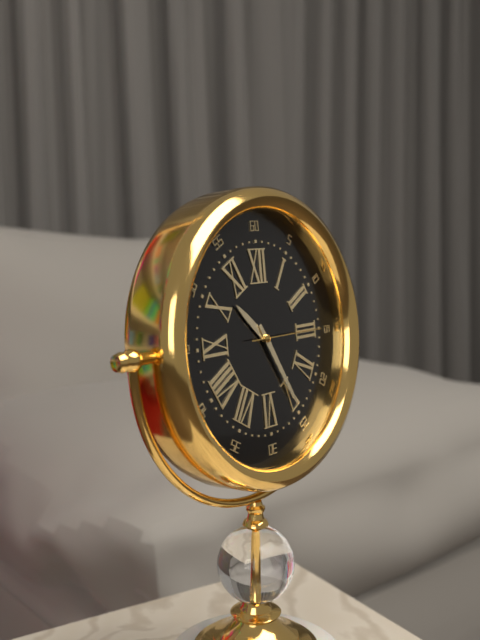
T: 10 h 25 min 15 s
